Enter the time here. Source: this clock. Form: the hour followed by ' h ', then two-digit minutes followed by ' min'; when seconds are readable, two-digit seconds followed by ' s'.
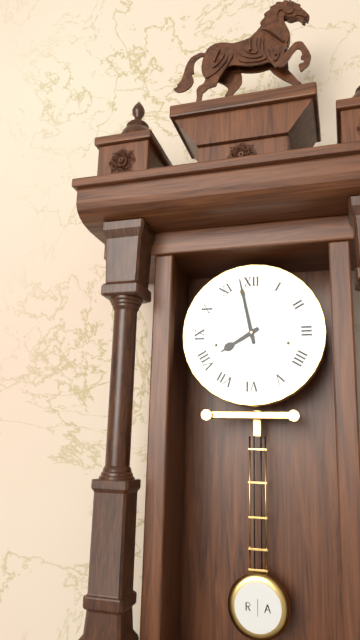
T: 7 h 58 min
